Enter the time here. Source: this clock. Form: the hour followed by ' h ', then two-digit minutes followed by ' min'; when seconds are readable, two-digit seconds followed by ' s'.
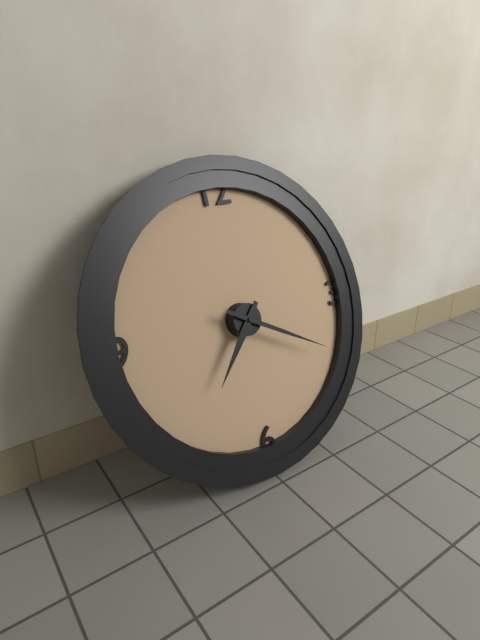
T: 7 h 20 min
